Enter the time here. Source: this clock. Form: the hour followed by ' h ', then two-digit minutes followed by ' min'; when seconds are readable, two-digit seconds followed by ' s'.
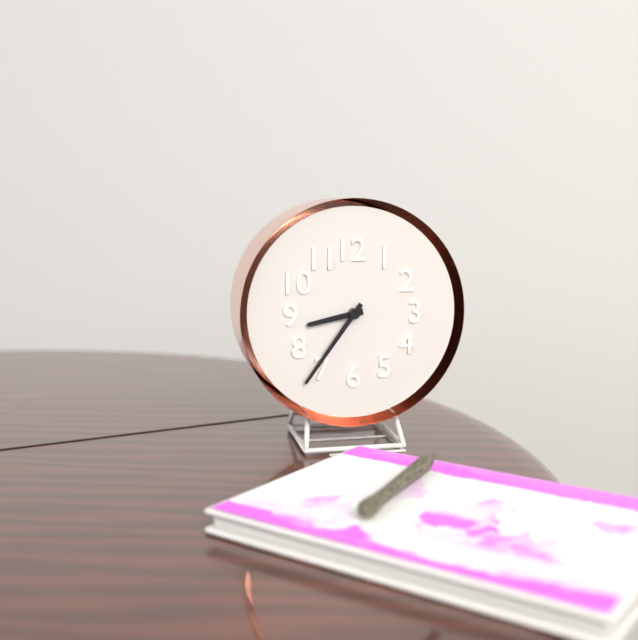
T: 8 h 36 min
